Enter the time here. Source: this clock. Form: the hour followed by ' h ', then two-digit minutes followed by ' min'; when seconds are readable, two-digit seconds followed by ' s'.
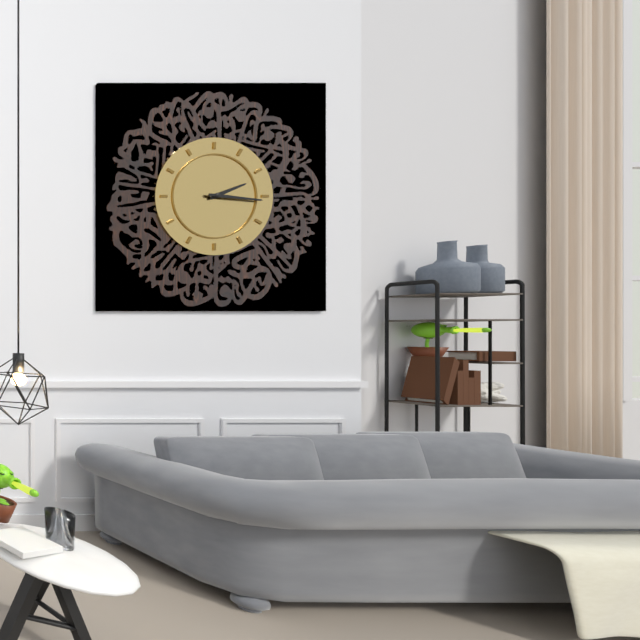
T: 2 h 16 min
